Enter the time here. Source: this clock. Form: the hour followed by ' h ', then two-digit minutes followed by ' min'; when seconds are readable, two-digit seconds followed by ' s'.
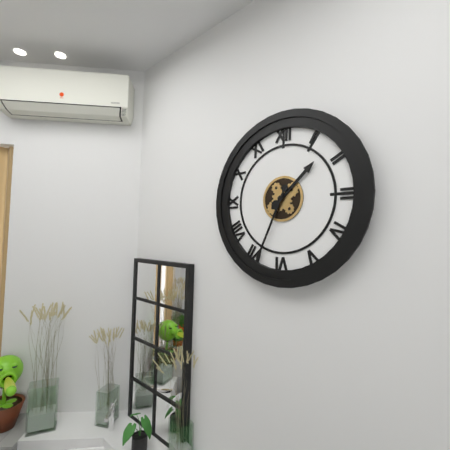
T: 1 h 34 min
